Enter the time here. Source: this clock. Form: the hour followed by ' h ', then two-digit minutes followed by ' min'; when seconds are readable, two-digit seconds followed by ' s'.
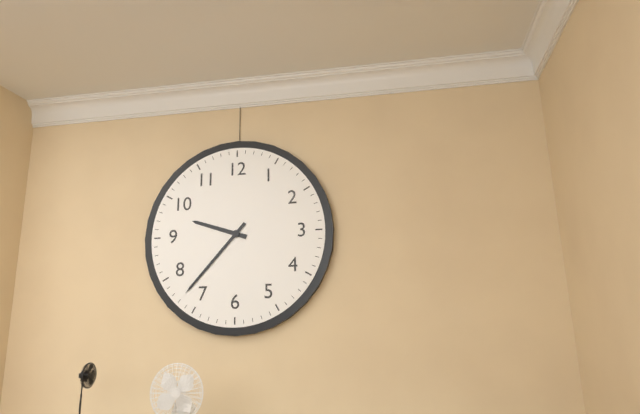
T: 9 h 37 min
